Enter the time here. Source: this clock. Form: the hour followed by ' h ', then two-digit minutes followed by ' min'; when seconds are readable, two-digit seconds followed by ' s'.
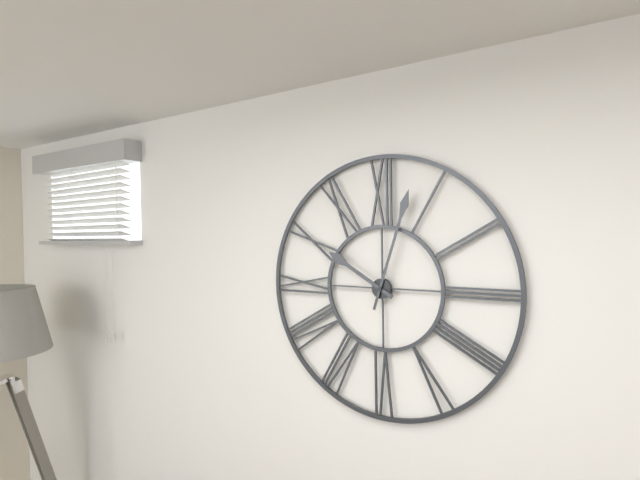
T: 10 h 03 min
